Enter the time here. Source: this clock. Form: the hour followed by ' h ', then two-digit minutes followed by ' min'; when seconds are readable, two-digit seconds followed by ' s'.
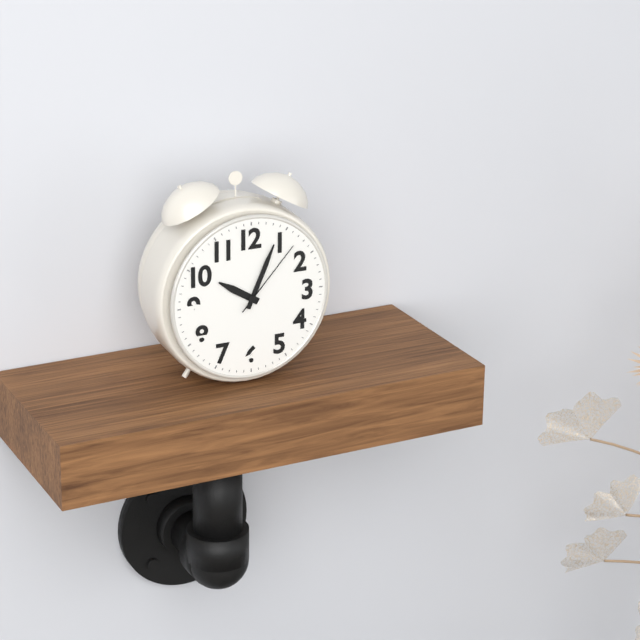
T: 10 h 04 min 07 s
